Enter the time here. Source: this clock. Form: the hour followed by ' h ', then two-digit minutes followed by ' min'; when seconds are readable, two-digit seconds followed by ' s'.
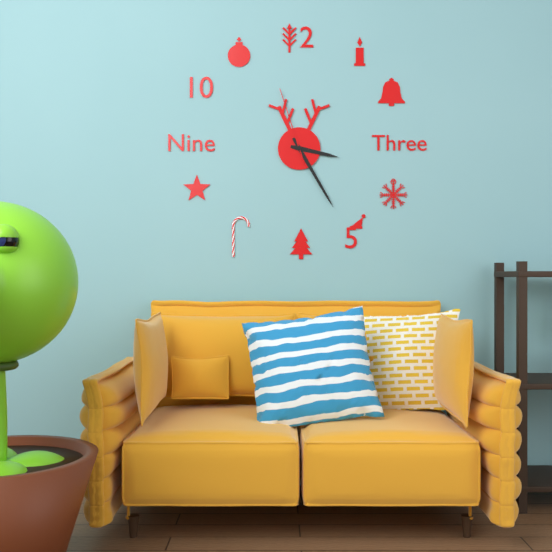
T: 3 h 25 min 57 s
